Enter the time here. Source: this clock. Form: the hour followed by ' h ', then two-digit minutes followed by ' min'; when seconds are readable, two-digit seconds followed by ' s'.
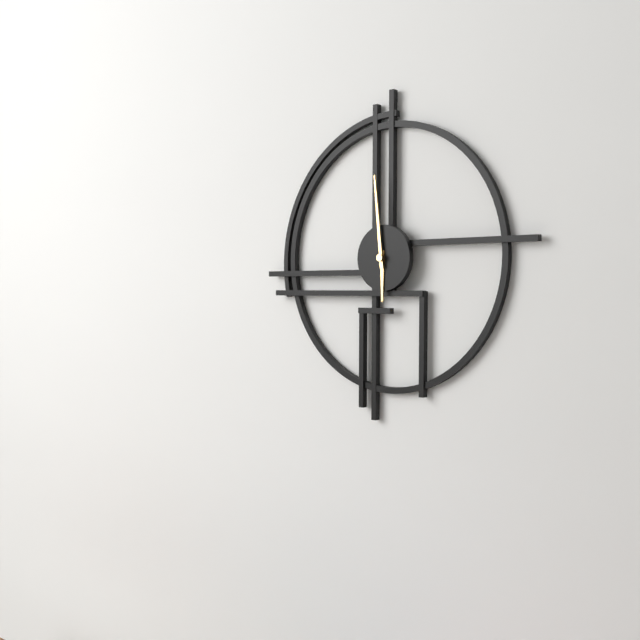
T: 5 h 59 min
